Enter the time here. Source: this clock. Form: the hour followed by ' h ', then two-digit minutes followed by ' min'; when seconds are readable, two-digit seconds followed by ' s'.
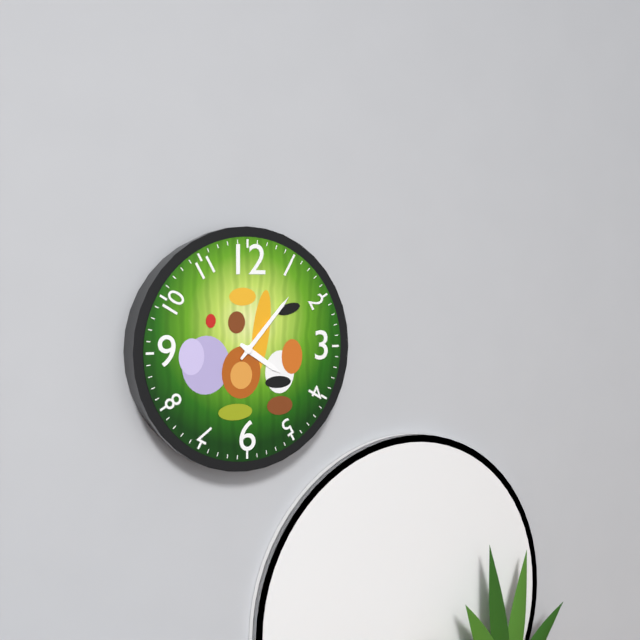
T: 4 h 07 min
